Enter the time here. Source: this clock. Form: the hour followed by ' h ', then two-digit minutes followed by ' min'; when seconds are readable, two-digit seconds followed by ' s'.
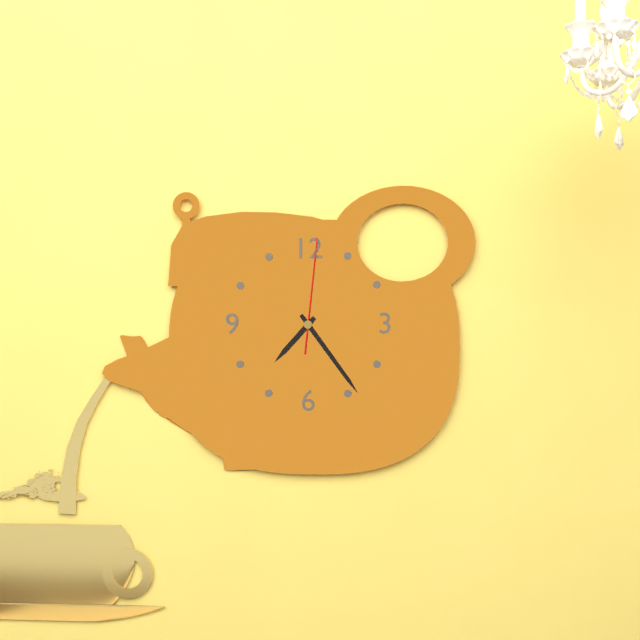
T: 7 h 24 min 01 s
